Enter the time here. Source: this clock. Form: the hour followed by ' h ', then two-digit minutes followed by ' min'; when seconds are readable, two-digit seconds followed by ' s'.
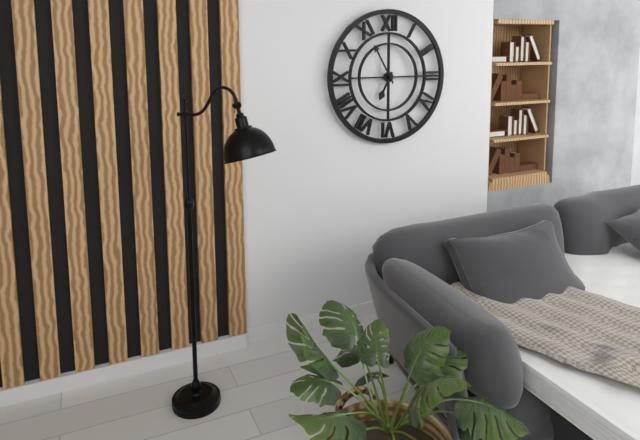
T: 6 h 55 min
